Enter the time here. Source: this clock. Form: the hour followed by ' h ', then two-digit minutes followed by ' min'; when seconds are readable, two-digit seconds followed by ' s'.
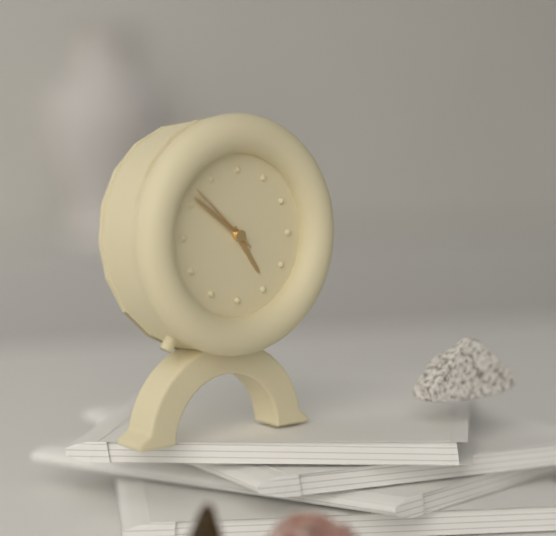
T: 4 h 51 min 52 s
